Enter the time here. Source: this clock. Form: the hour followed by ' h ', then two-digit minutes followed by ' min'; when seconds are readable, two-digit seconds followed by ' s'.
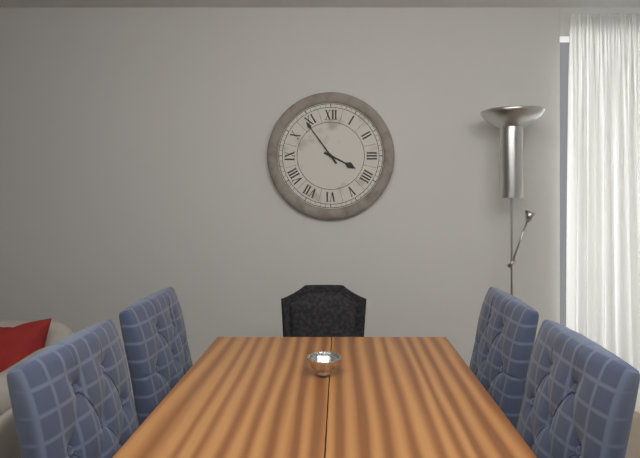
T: 3 h 54 min
